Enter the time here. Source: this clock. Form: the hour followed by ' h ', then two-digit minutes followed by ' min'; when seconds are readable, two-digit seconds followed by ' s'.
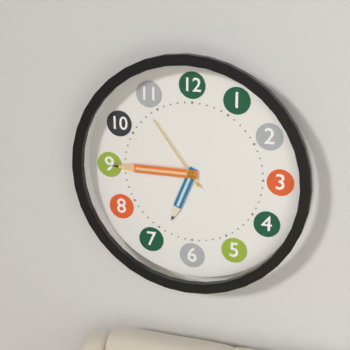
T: 6 h 45 min 54 s
